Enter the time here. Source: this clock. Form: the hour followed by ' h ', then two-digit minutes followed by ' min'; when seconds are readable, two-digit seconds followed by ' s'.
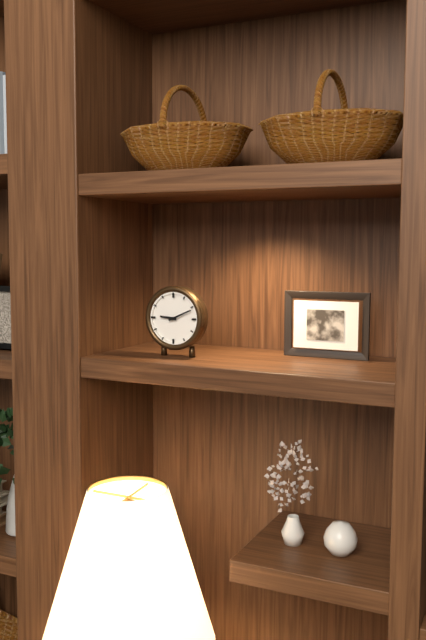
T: 9 h 11 min
